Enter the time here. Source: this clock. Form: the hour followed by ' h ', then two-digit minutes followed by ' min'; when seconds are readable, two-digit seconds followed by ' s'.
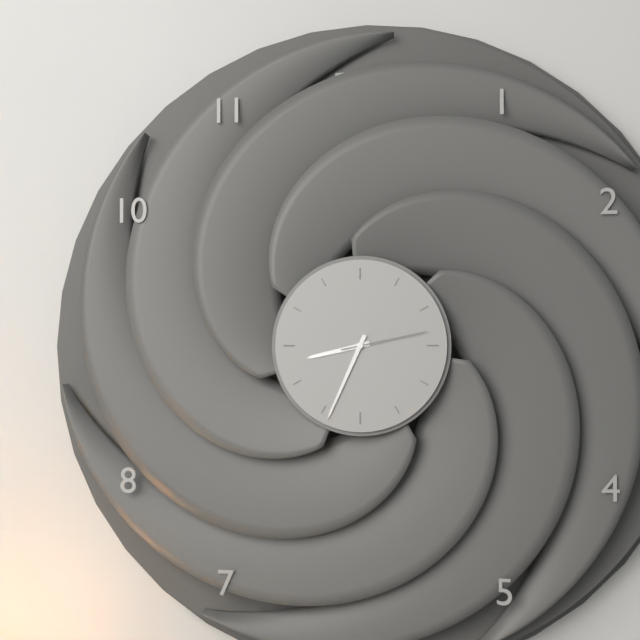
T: 8 h 34 min 13 s
